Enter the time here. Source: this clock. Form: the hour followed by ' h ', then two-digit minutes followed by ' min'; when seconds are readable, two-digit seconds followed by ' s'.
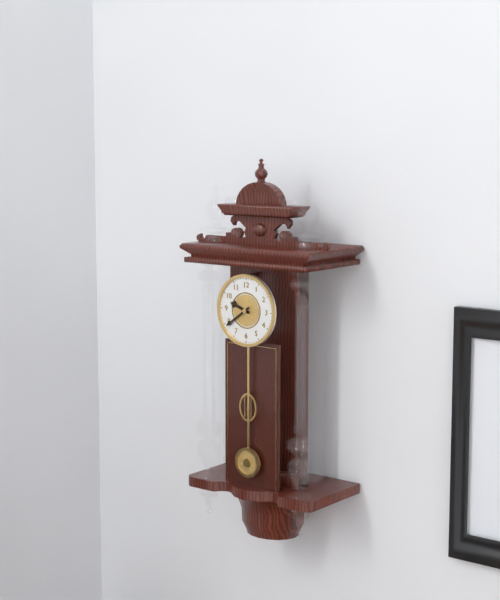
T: 9 h 39 min
